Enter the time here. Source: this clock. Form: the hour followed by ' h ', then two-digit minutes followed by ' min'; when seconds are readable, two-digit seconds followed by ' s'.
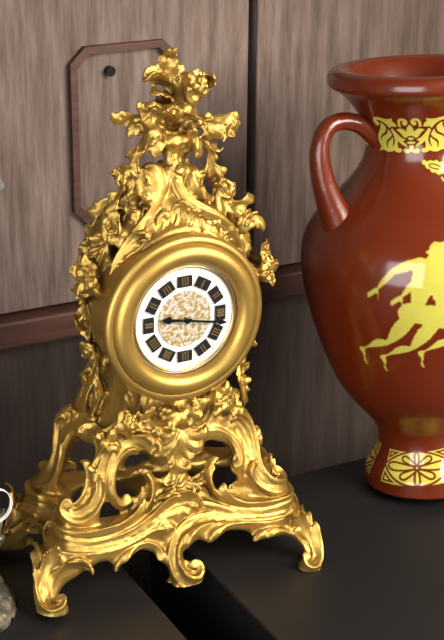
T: 9 h 17 min
